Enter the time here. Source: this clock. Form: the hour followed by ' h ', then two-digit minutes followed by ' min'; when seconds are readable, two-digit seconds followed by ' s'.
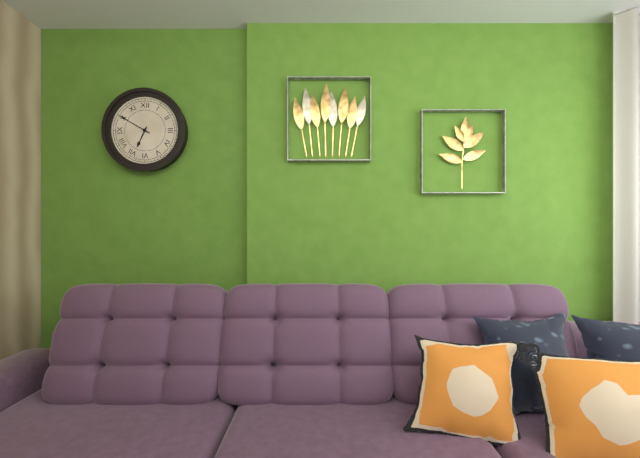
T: 6 h 50 min
